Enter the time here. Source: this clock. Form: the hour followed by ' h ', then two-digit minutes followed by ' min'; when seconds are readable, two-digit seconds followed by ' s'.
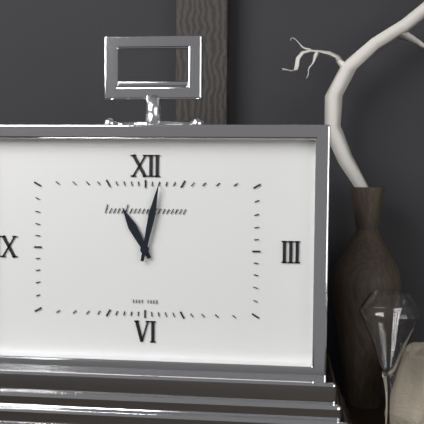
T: 11 h 02 min
